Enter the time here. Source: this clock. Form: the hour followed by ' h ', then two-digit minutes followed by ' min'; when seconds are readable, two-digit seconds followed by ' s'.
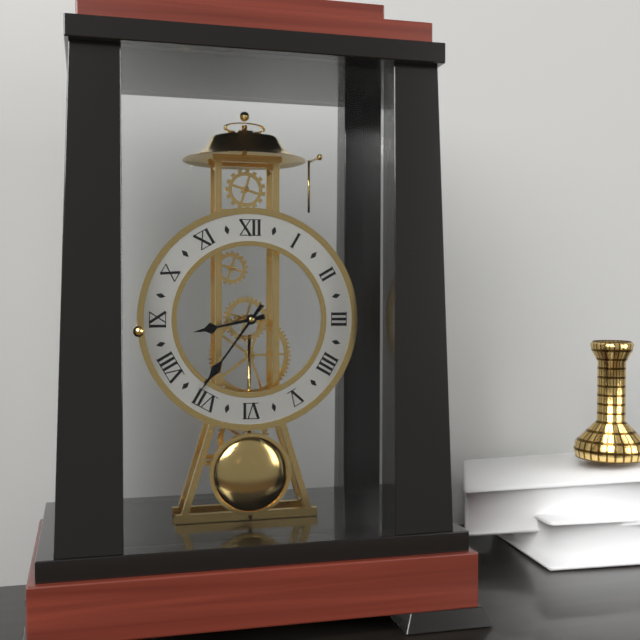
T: 8 h 36 min
